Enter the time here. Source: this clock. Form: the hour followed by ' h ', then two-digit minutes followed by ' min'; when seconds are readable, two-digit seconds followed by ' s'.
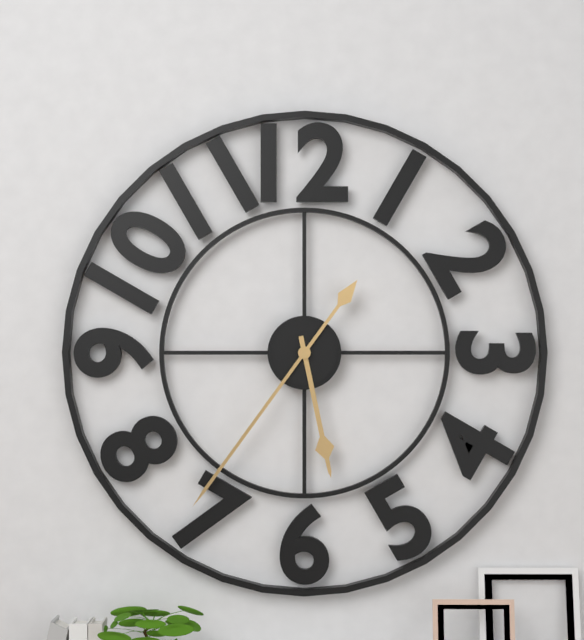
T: 5 h 36 min
